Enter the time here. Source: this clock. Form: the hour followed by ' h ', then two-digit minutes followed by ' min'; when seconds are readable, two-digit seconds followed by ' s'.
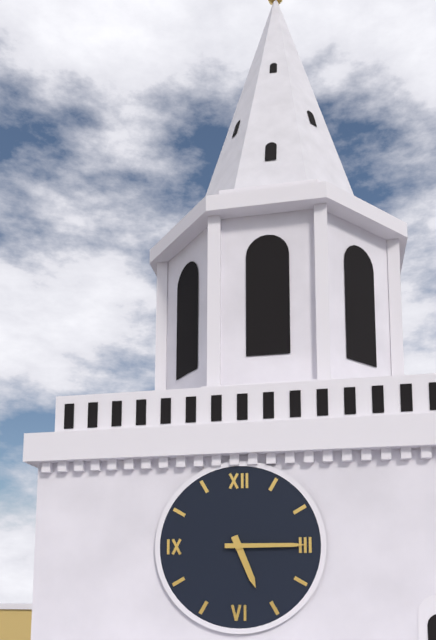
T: 5 h 15 min
